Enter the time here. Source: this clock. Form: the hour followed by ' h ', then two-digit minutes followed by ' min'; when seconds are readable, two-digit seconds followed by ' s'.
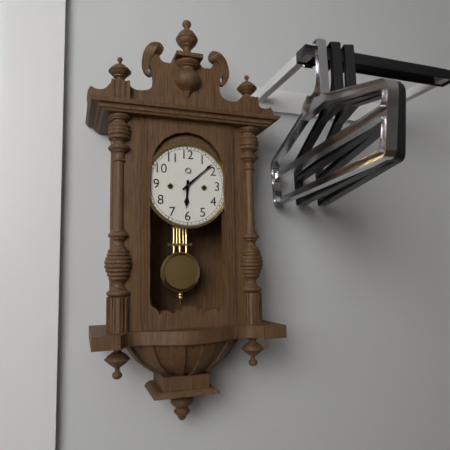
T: 6 h 08 min
